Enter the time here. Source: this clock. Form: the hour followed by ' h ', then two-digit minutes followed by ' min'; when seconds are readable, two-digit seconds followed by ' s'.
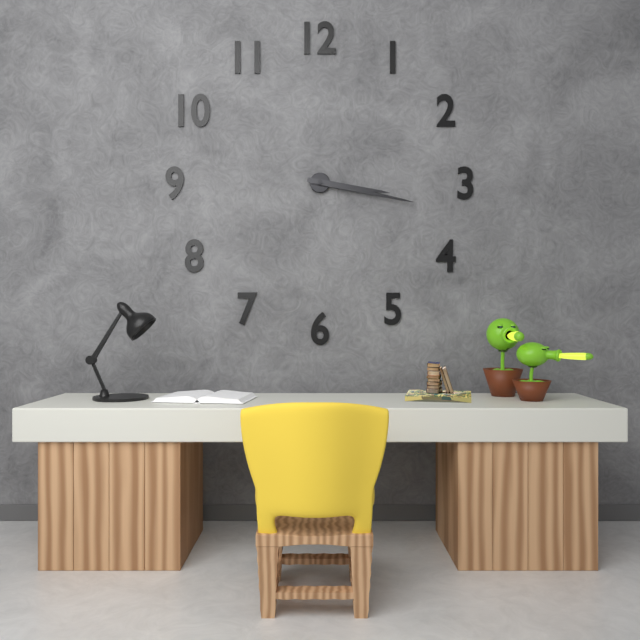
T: 3 h 17 min
